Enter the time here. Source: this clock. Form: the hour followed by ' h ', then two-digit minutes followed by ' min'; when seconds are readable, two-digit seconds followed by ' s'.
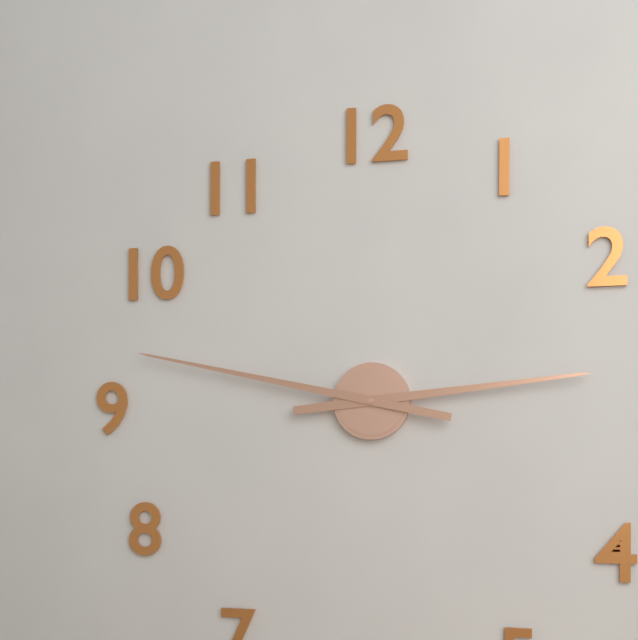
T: 2 h 47 min
